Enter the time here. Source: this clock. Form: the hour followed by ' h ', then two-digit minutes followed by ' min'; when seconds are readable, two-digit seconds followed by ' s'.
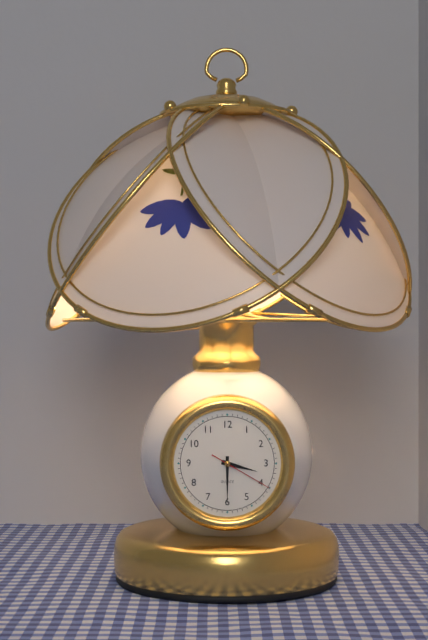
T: 3 h 30 min 20 s
